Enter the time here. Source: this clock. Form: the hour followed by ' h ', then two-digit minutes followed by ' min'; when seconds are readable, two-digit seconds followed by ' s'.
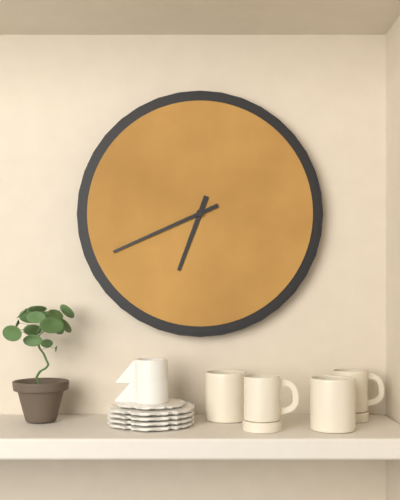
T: 6 h 41 min
